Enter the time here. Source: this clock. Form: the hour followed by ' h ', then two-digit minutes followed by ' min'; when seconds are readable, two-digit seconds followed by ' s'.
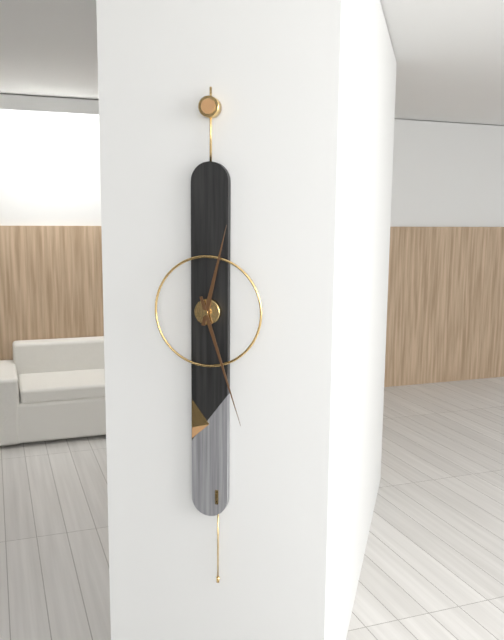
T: 12 h 27 min
